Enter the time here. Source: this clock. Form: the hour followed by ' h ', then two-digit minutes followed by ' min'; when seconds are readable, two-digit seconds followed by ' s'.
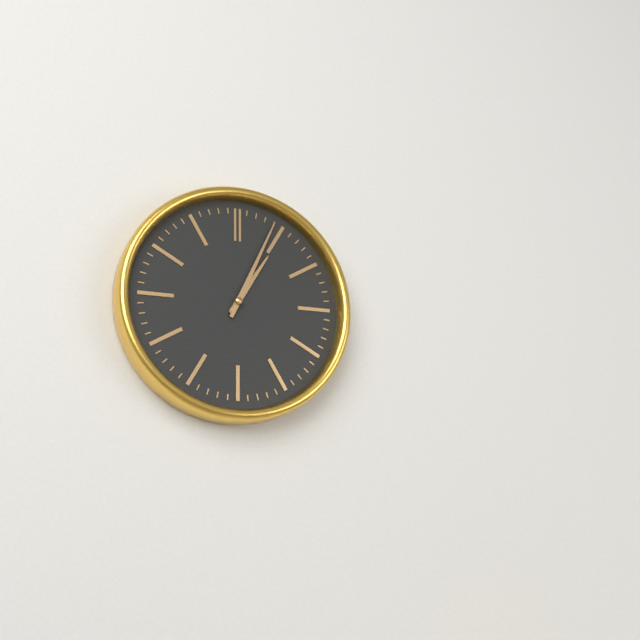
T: 1 h 04 min
